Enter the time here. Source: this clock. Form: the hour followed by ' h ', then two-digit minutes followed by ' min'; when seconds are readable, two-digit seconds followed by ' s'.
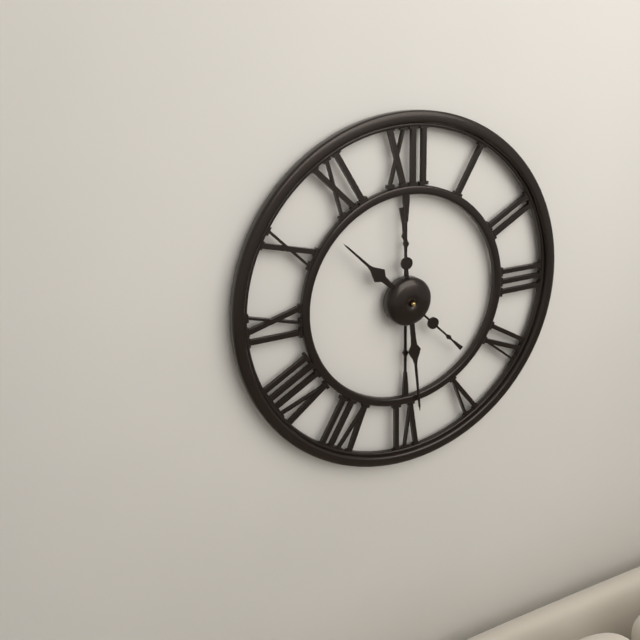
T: 10 h 29 min
